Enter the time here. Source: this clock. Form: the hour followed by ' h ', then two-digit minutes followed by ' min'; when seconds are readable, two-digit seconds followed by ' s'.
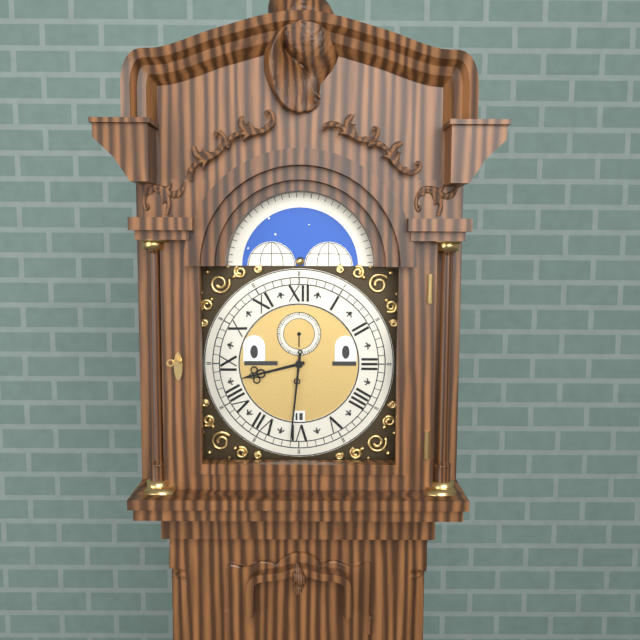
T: 8 h 31 min
